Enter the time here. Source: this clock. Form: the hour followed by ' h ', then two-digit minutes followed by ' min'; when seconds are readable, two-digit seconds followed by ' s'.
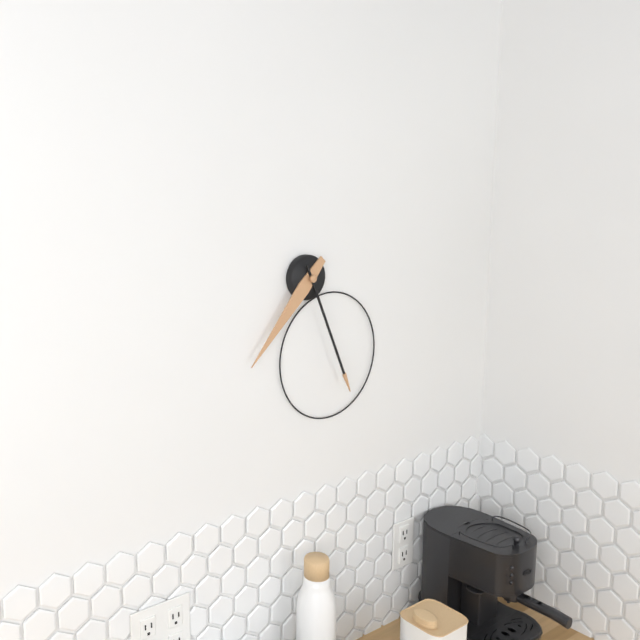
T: 7 h 26 min
